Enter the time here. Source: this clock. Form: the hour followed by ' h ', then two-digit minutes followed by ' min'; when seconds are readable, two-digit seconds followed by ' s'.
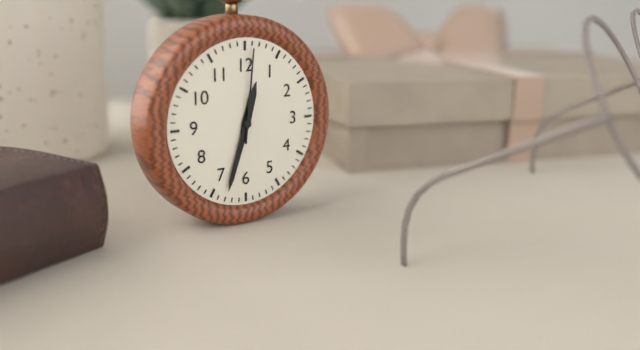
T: 12 h 33 min 01 s
